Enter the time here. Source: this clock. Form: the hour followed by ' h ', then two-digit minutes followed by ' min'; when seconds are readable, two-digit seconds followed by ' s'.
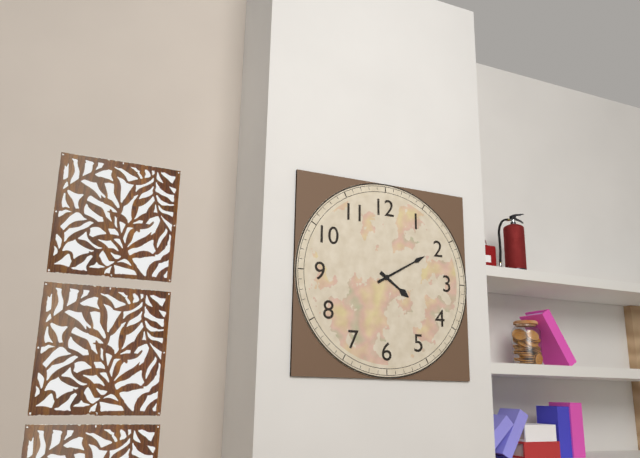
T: 4 h 10 min
